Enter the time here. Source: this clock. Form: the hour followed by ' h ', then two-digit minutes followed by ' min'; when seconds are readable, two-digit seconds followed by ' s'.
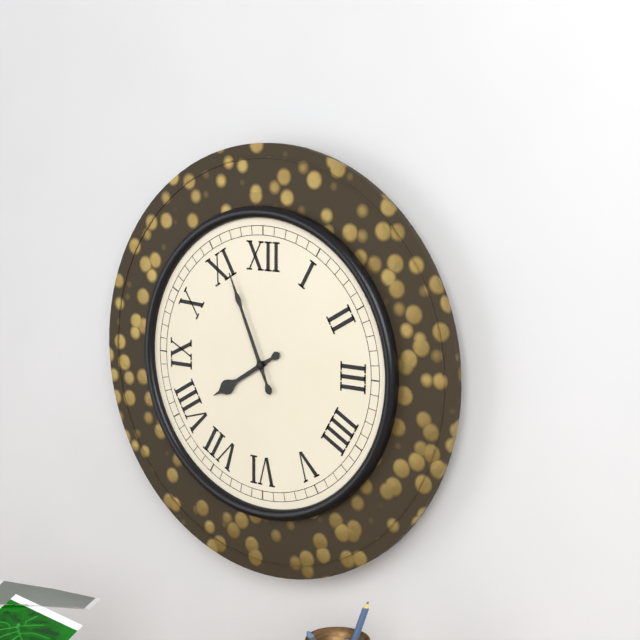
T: 7 h 56 min
